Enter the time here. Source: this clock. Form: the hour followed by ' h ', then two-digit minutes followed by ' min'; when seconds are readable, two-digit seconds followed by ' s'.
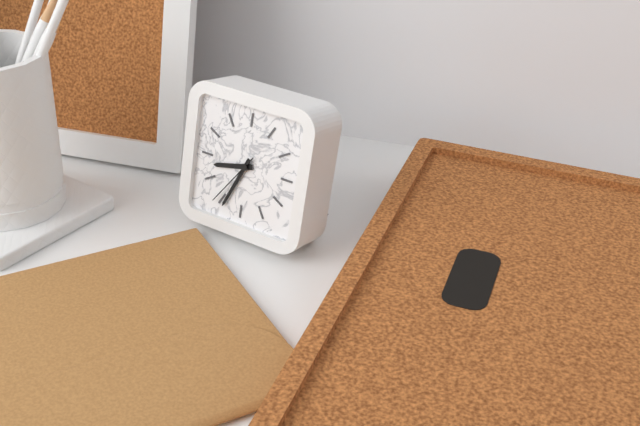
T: 8 h 34 min 36 s
